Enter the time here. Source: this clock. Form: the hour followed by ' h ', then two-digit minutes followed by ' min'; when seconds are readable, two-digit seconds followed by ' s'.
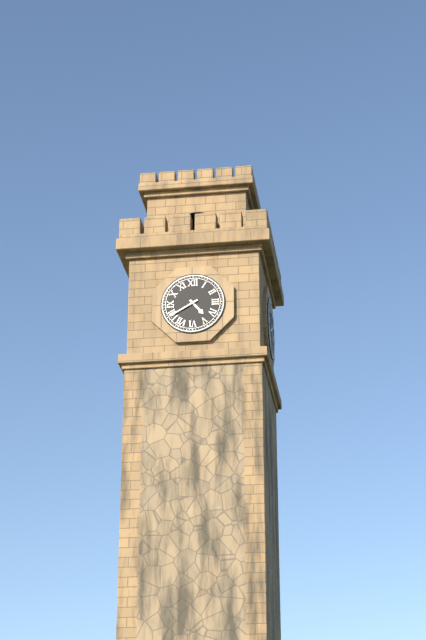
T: 4 h 40 min
